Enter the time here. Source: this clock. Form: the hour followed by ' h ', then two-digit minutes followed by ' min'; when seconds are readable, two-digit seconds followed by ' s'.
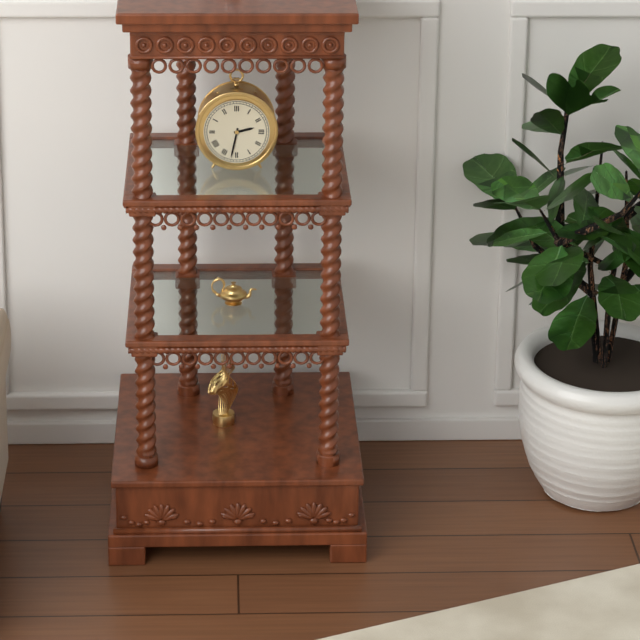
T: 2 h 32 min
